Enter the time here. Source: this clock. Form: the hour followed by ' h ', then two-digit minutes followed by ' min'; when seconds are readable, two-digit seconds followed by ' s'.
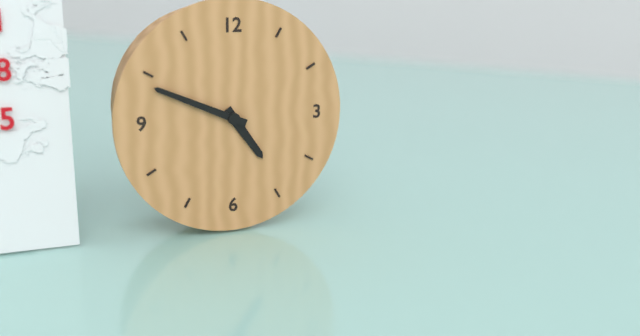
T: 4 h 49 min
